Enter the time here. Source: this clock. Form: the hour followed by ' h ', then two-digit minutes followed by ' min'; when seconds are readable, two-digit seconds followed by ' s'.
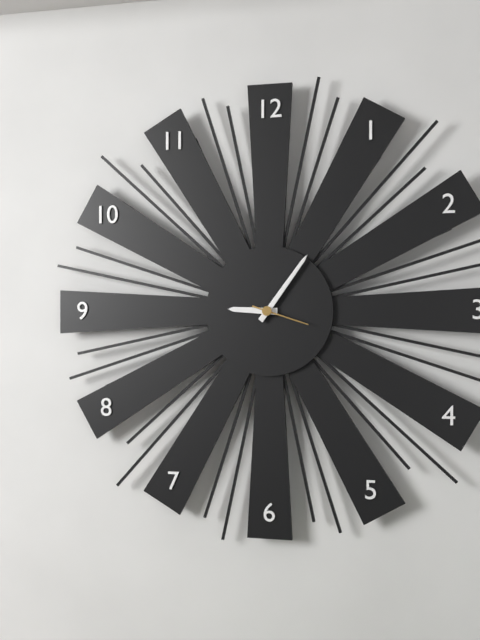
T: 9 h 06 min
